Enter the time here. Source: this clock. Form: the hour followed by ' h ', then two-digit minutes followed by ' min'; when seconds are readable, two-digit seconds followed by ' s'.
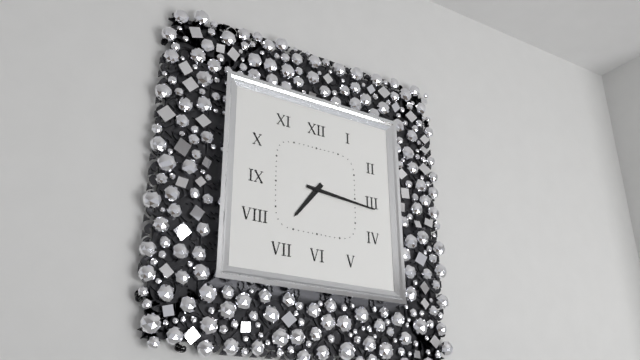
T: 7 h 16 min
